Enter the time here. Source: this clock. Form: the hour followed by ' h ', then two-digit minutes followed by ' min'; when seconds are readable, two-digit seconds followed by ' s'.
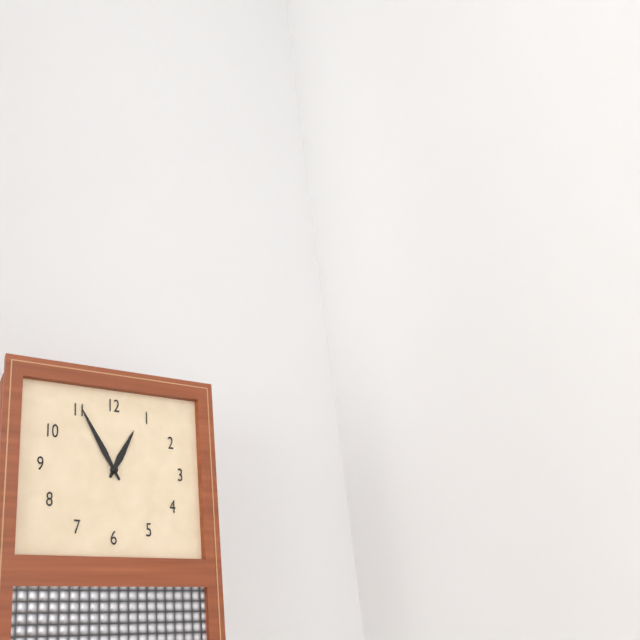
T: 12 h 55 min
